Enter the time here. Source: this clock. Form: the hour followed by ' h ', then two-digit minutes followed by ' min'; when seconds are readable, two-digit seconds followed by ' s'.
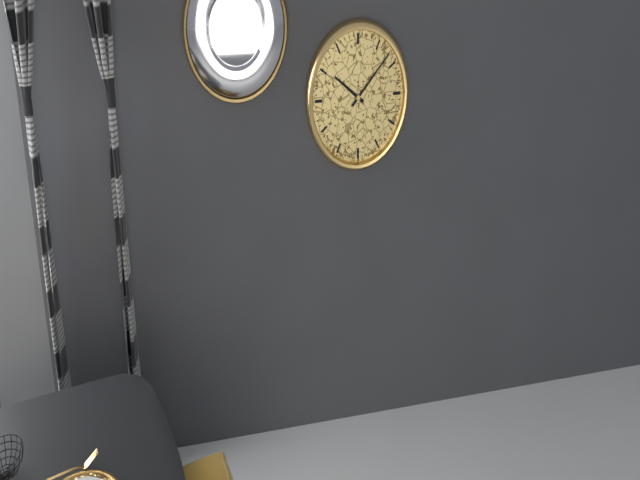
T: 10 h 08 min
